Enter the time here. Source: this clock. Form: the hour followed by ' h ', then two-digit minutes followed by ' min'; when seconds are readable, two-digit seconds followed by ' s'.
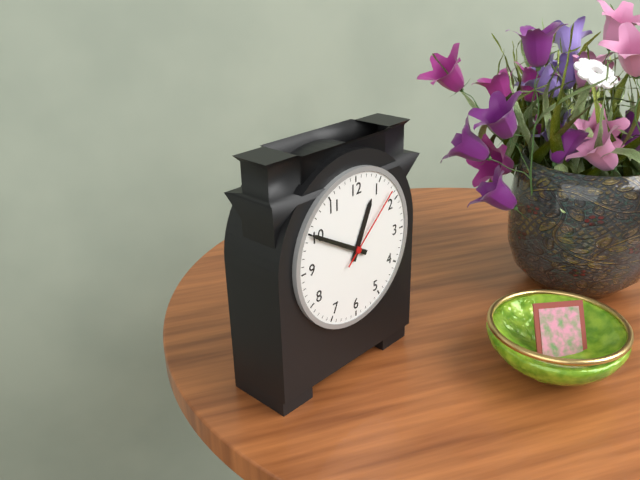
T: 12 h 50 min 08 s
